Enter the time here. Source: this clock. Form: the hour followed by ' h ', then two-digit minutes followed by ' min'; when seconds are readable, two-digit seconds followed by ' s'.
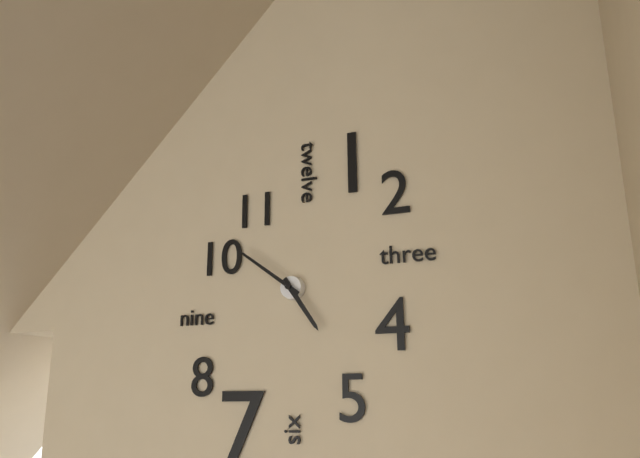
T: 4 h 51 min
